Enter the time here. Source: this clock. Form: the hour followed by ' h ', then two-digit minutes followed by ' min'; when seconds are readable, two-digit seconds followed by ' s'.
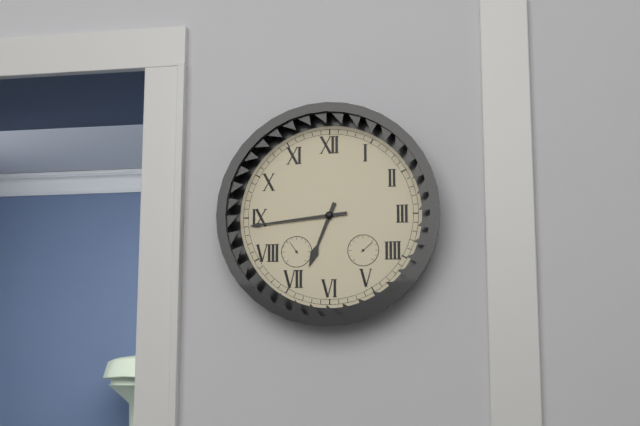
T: 6 h 44 min
